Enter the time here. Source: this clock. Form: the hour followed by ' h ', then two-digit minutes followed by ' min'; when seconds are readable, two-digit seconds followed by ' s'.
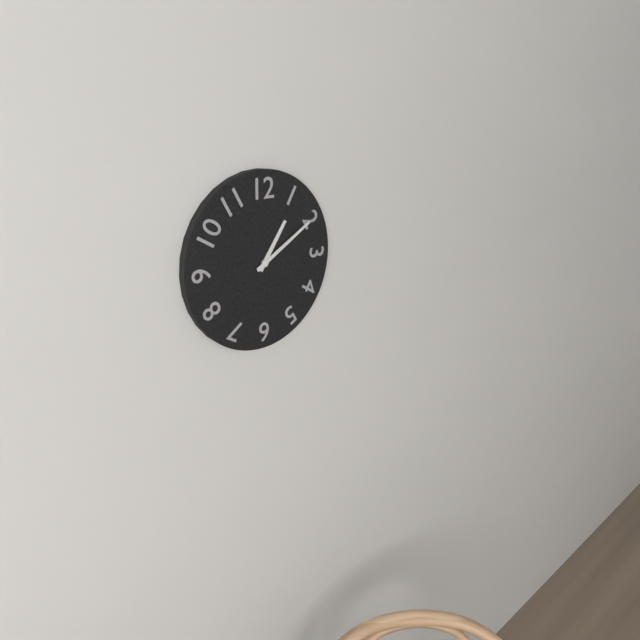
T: 1 h 10 min
